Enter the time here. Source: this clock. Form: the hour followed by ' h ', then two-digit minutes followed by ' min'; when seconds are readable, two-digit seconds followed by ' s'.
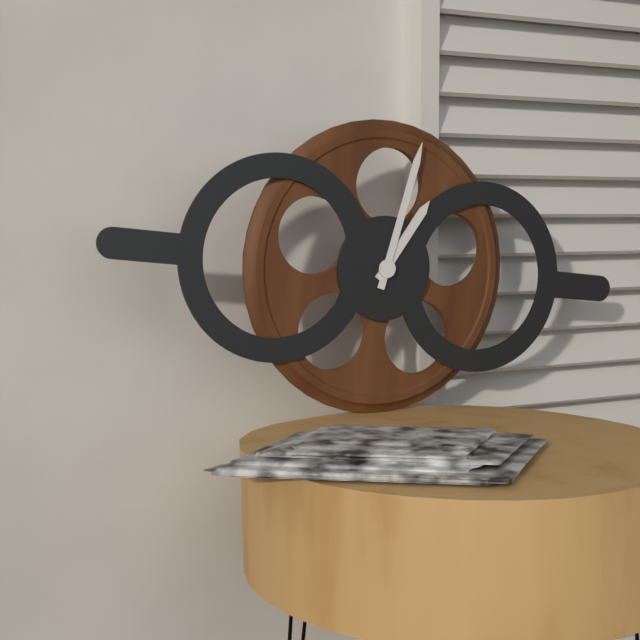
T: 1 h 02 min
